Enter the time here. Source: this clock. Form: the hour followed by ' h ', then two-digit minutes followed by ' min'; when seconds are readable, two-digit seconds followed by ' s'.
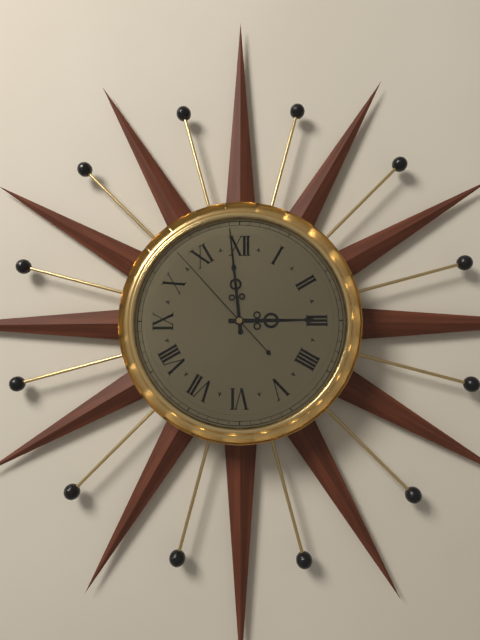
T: 2 h 59 min 53 s
